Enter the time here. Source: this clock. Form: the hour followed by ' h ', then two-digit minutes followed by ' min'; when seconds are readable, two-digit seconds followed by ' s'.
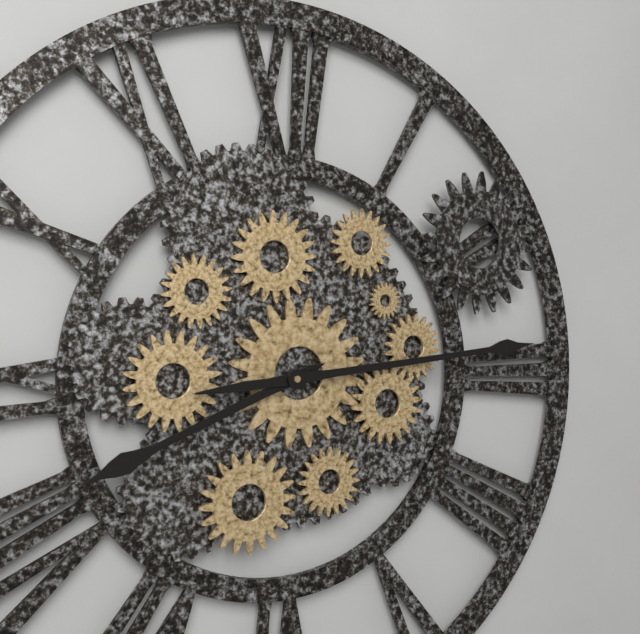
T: 8 h 14 min
